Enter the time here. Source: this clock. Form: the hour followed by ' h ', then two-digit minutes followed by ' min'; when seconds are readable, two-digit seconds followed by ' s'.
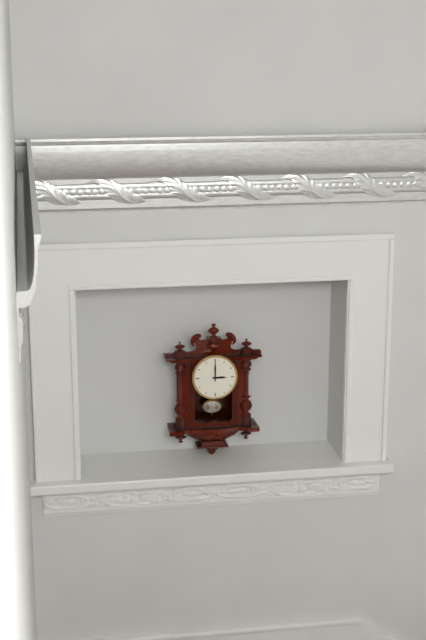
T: 3 h 00 min
